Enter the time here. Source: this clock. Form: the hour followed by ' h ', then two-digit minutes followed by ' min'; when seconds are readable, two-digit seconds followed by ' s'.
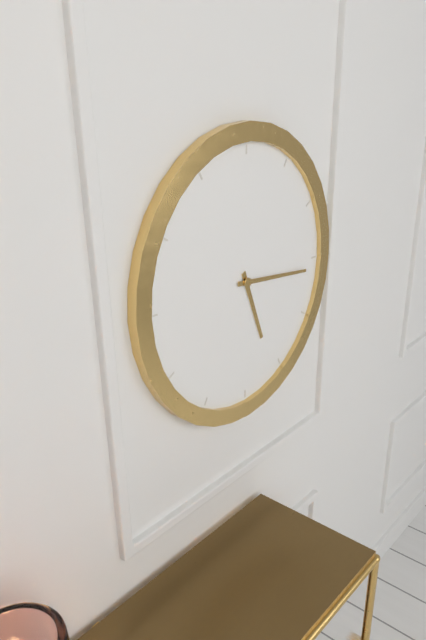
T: 5 h 16 min
